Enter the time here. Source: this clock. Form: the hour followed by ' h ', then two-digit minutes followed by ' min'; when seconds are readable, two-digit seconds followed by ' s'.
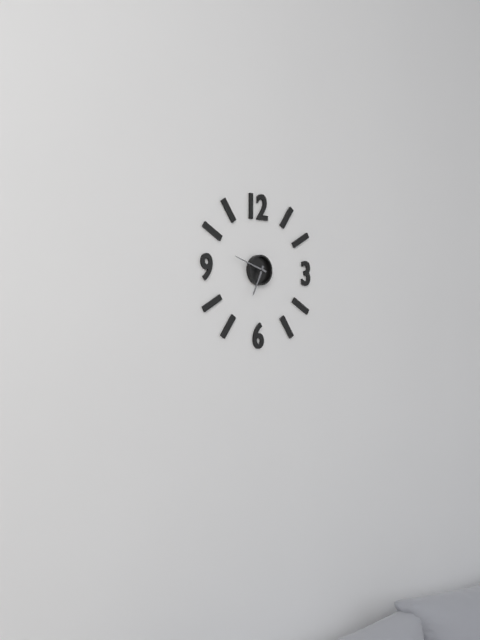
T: 6 h 48 min
